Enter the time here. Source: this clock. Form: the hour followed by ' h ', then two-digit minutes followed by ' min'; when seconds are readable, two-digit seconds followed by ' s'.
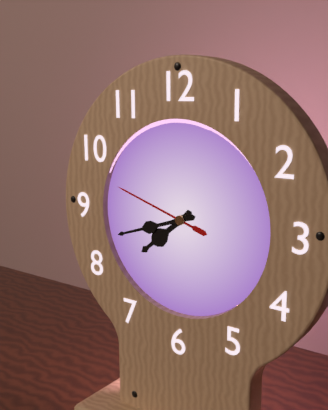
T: 7 h 42 min 48 s
